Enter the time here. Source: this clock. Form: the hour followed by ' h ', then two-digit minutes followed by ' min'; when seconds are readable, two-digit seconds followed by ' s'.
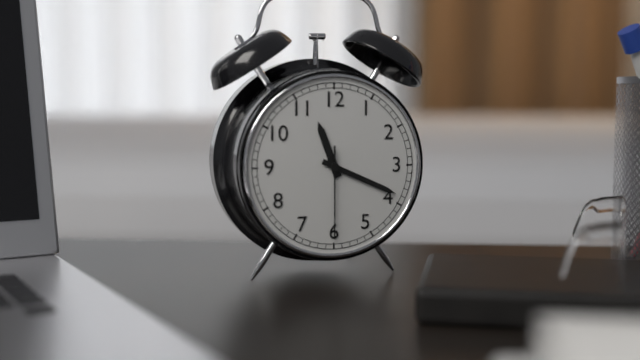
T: 11 h 19 min 30 s
